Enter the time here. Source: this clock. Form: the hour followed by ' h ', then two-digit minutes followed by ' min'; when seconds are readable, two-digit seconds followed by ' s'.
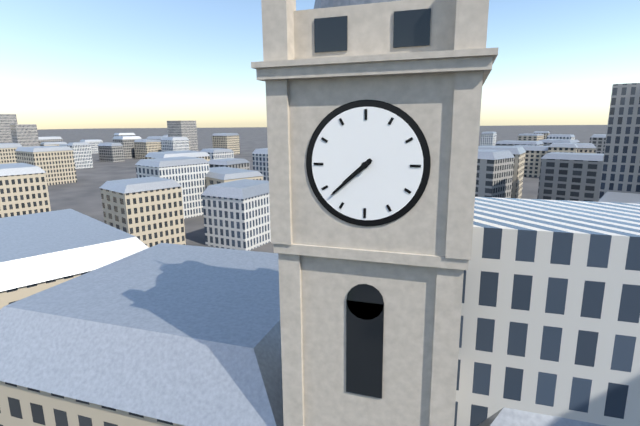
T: 7 h 38 min
